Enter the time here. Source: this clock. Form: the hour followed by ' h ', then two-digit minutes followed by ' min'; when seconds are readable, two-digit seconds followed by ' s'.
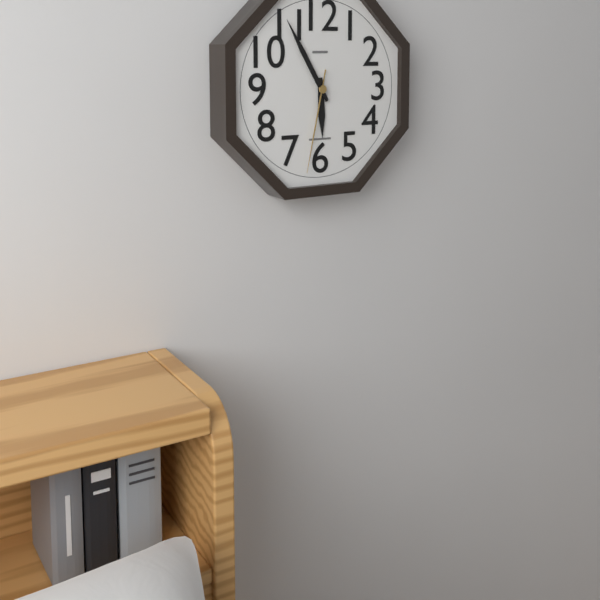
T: 5 h 55 min 32 s
